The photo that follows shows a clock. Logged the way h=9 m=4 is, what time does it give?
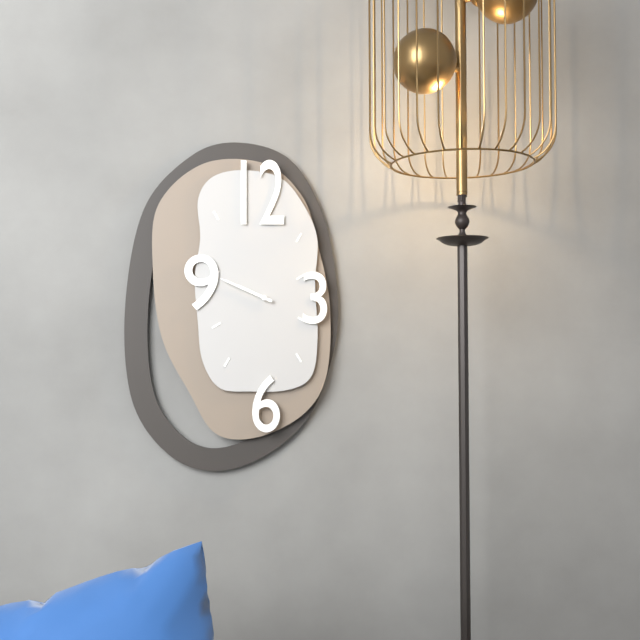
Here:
h=9 m=49
